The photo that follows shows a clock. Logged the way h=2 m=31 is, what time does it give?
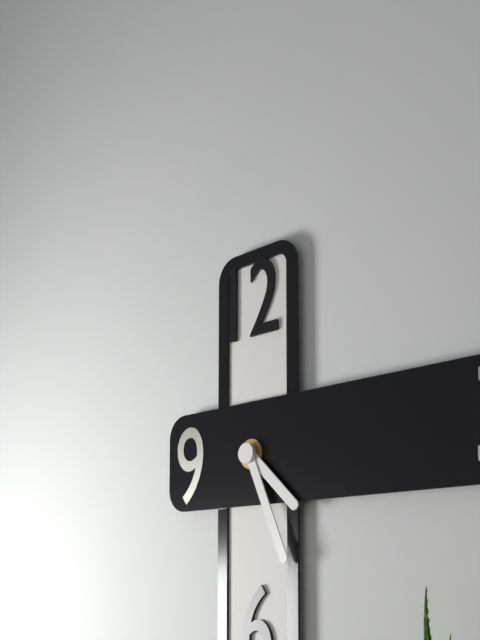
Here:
h=4 m=26
